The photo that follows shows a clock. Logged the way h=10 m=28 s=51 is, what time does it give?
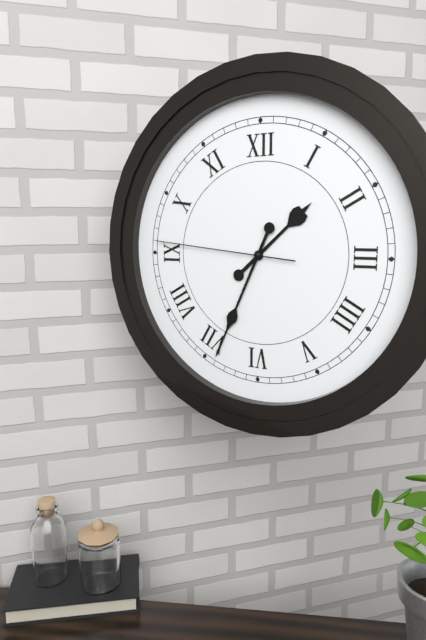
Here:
h=1 m=34 s=46
